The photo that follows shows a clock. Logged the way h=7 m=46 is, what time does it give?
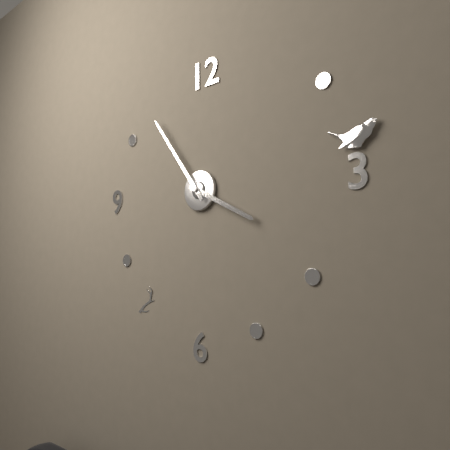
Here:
h=3 m=54
